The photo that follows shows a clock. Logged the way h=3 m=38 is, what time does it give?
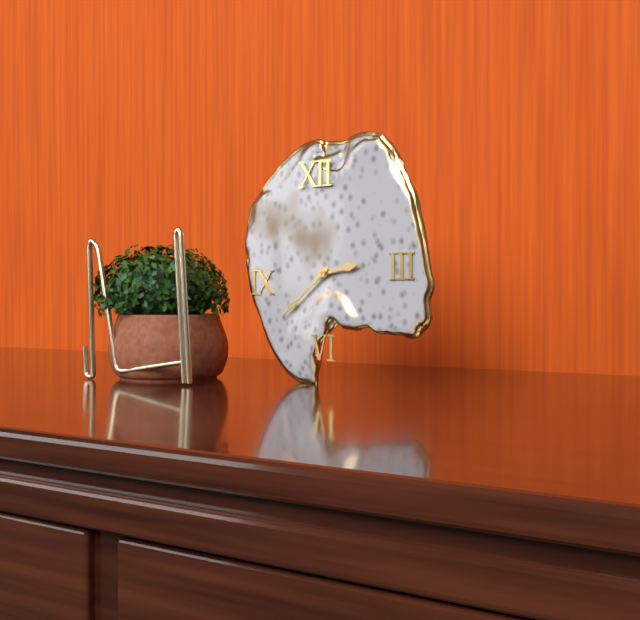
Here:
h=2 m=38
